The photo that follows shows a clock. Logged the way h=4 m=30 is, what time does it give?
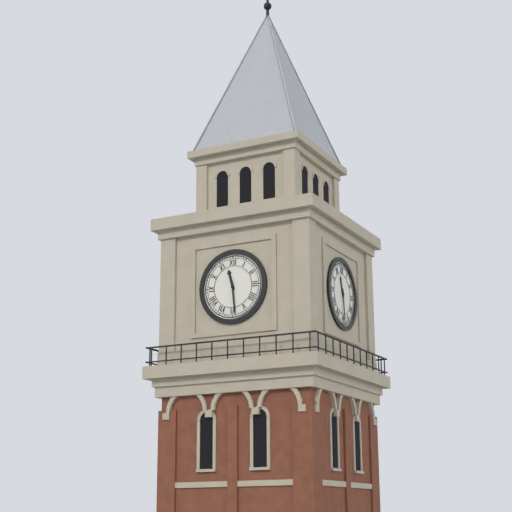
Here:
h=11 m=29
